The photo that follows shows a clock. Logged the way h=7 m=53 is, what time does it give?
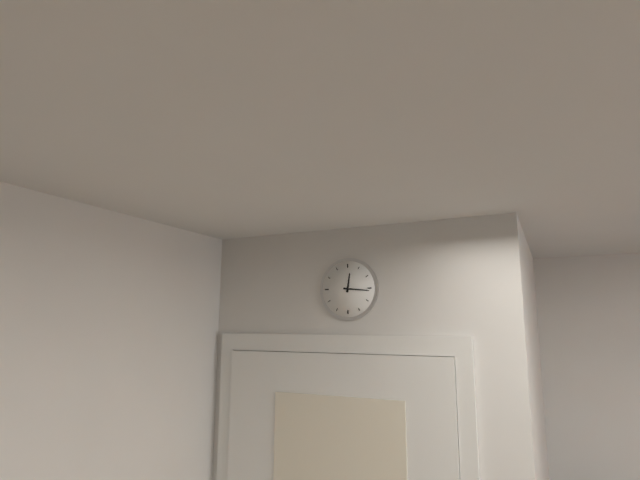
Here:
h=12 m=16
